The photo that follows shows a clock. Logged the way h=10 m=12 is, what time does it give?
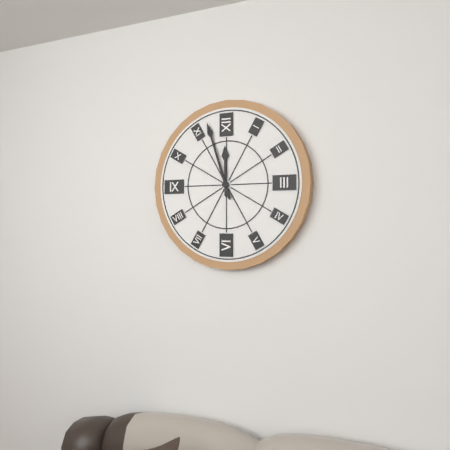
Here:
h=11 m=57
